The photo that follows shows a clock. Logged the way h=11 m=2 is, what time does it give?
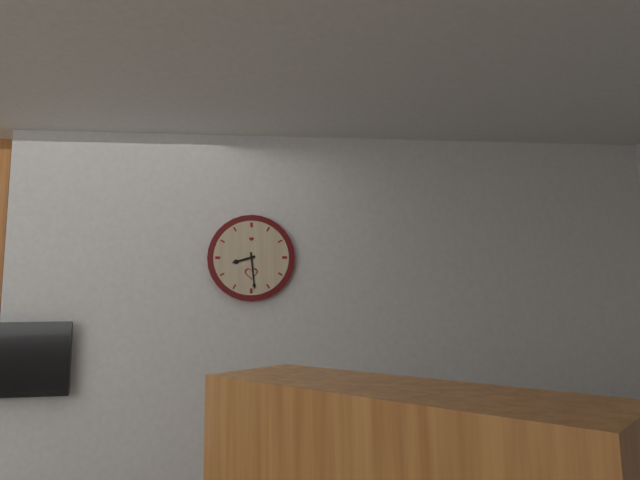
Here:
h=8 m=29
